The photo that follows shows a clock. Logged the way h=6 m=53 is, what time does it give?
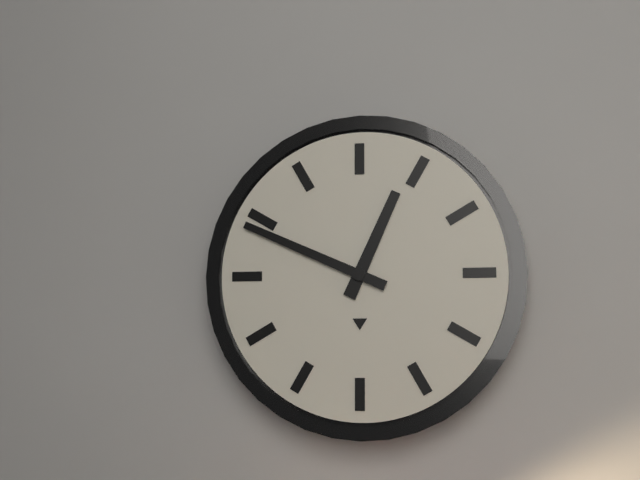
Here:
h=12 m=49
